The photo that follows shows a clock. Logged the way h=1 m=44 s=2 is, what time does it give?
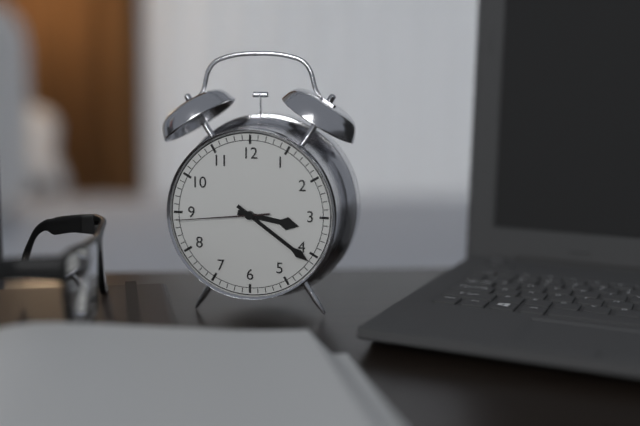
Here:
h=3 m=21 s=44
